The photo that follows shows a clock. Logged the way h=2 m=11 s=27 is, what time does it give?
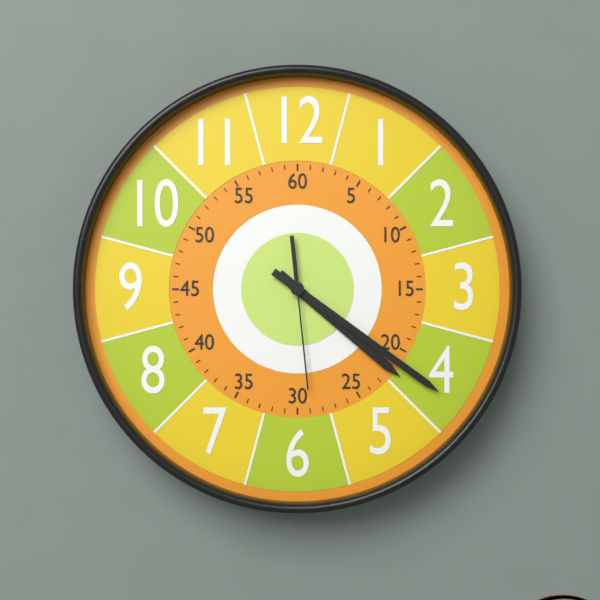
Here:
h=4 m=21 s=29
